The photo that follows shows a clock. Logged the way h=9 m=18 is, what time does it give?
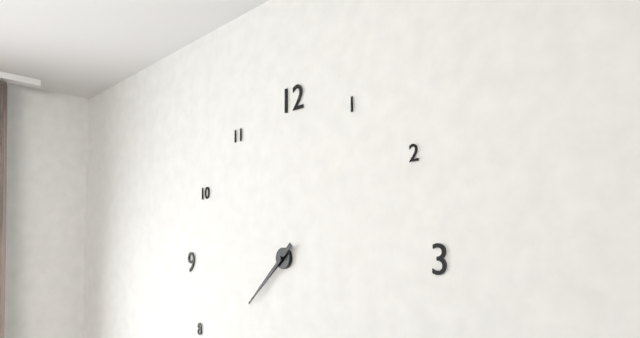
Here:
h=7 m=38
